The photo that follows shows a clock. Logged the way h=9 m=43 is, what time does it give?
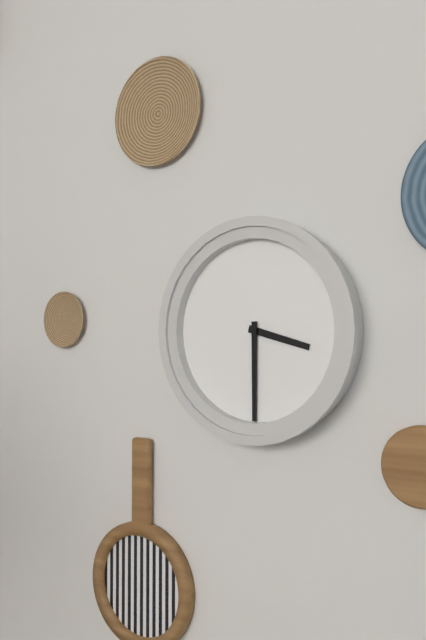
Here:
h=3 m=30
